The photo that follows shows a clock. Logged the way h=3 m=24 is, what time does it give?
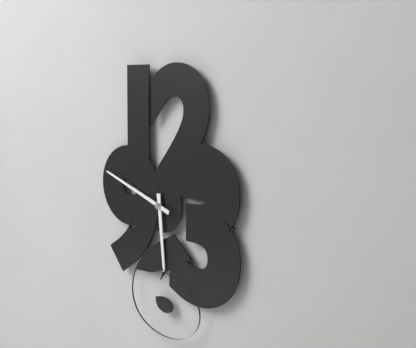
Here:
h=5 m=48
